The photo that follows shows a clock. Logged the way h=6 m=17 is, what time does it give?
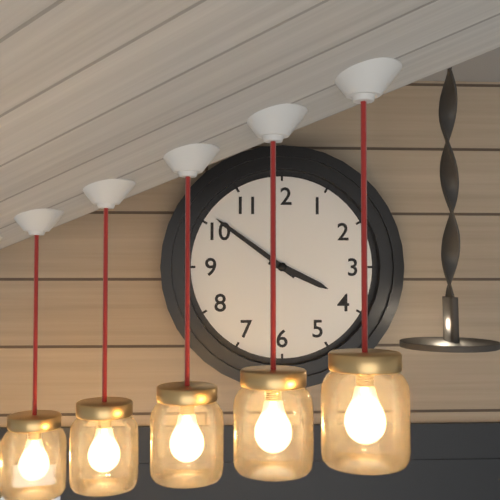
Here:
h=3 m=51
